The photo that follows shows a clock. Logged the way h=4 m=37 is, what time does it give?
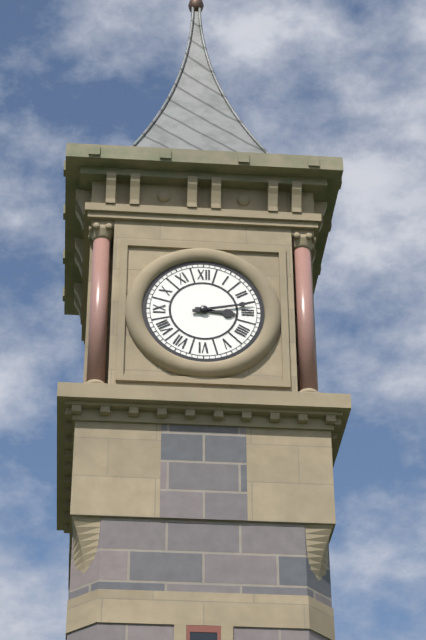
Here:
h=3 m=13
